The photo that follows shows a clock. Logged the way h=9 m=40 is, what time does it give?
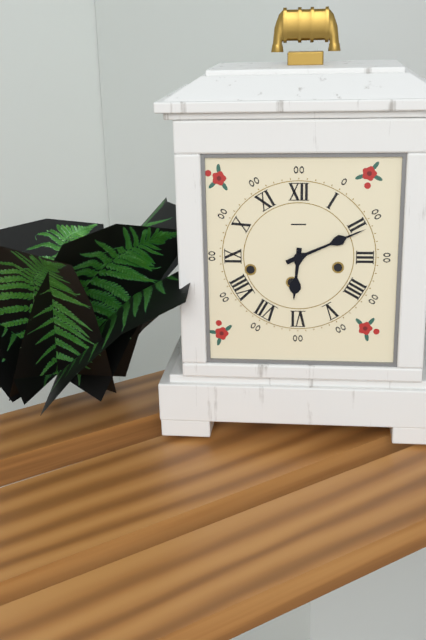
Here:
h=6 m=11
